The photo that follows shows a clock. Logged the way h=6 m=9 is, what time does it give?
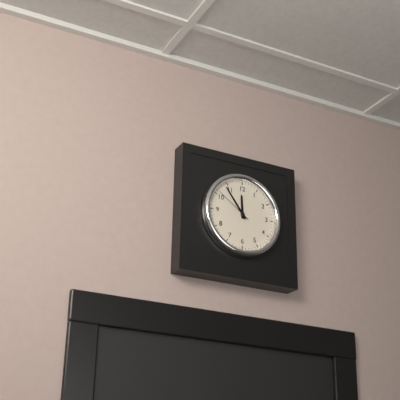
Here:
h=11 m=54
